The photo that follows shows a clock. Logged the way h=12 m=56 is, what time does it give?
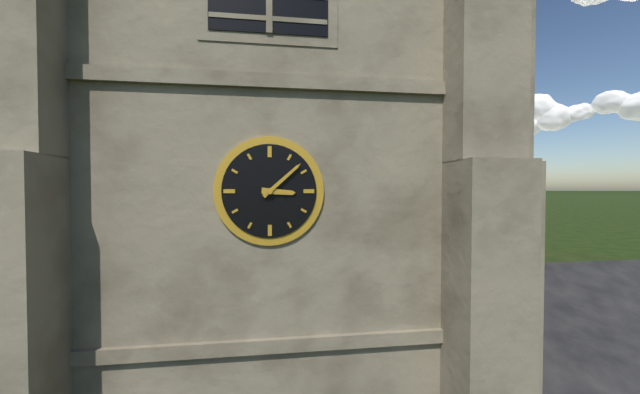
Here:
h=3 m=8
